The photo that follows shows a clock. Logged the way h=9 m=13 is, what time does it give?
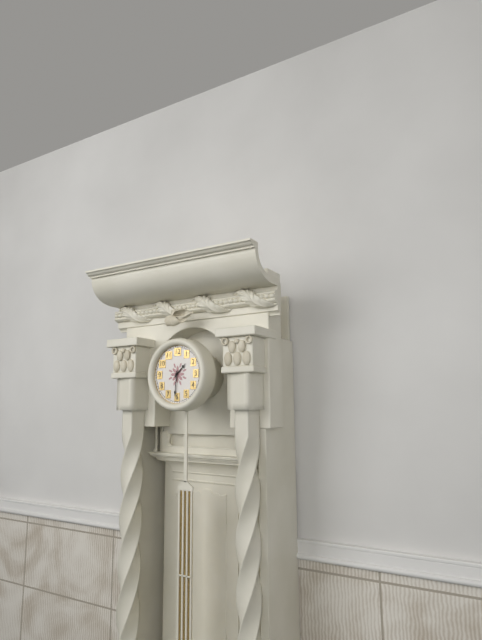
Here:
h=1 m=31
